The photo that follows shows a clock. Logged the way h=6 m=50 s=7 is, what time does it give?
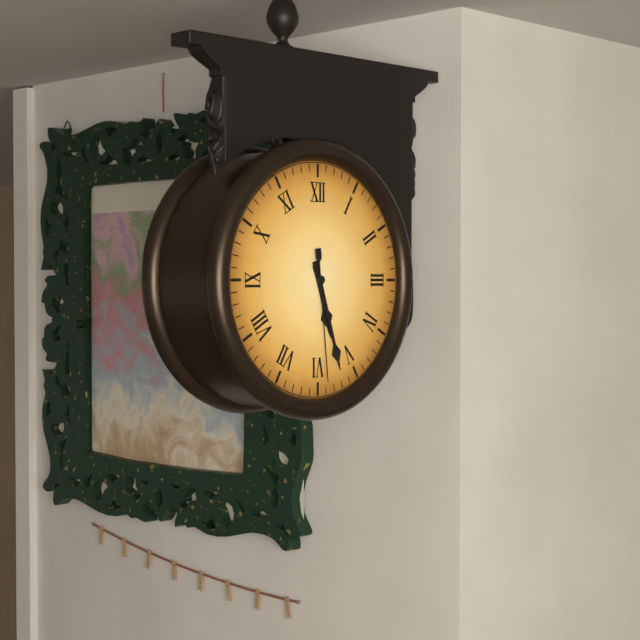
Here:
h=5 m=27 s=29
